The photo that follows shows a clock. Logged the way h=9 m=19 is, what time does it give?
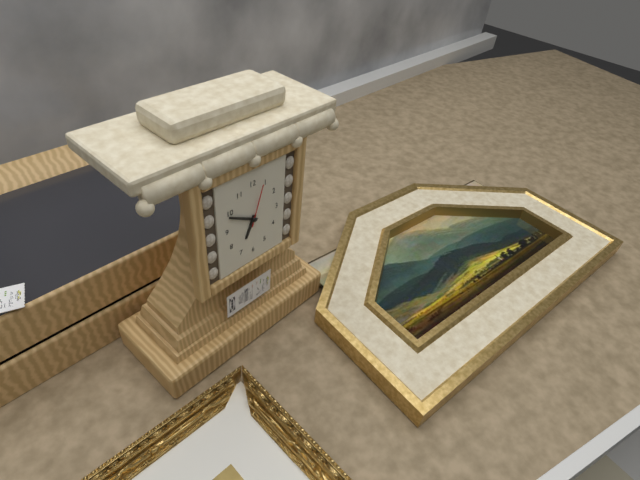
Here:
h=6 m=50
